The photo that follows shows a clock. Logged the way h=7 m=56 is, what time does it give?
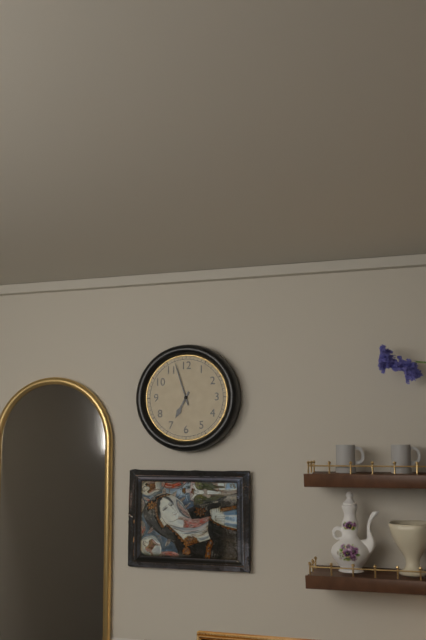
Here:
h=6 m=57
